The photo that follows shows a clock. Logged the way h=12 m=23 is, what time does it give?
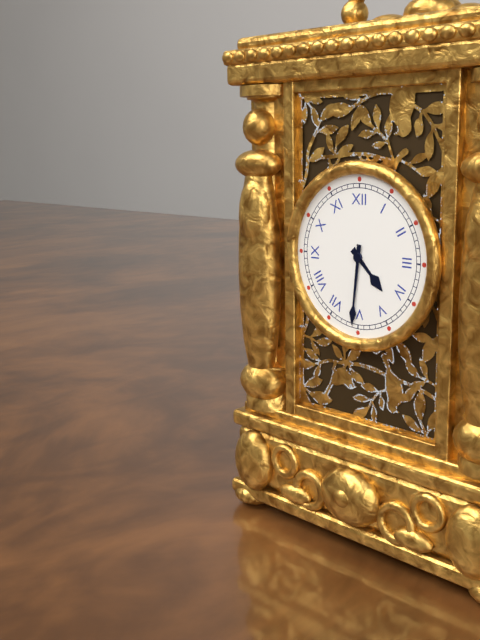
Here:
h=4 m=31
